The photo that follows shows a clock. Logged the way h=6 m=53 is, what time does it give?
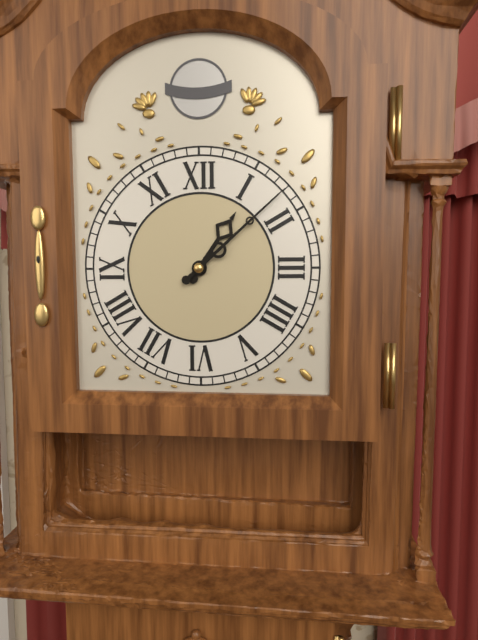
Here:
h=1 m=8
